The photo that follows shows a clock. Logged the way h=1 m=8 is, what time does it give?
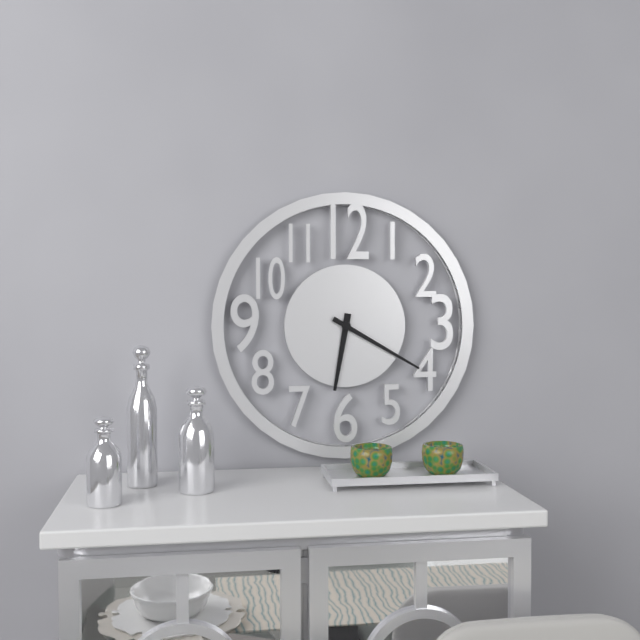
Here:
h=6 m=20
